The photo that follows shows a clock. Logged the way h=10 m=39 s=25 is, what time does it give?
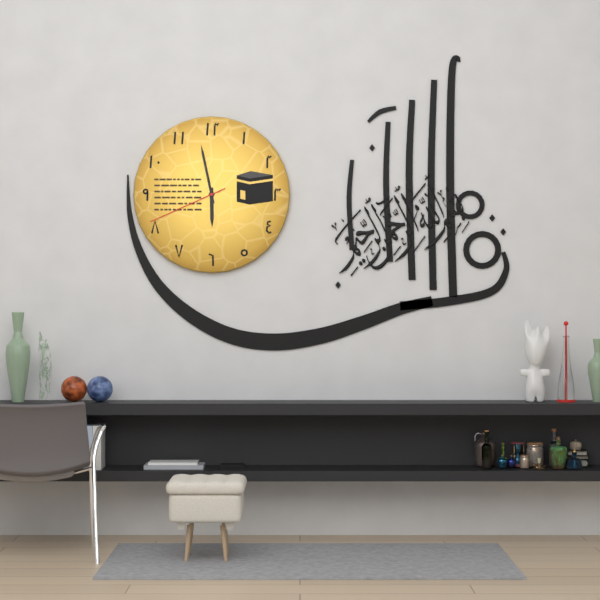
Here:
h=5 m=58 s=41
